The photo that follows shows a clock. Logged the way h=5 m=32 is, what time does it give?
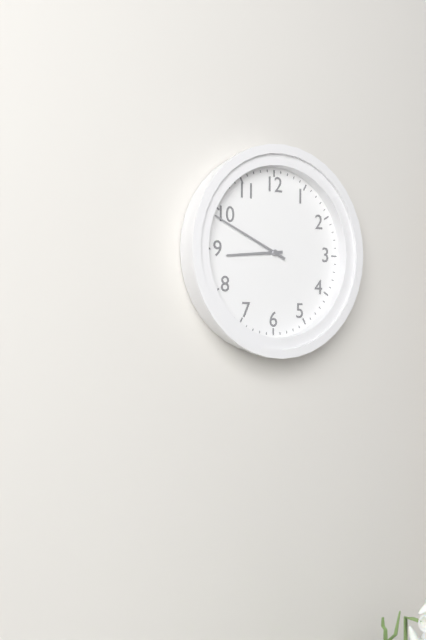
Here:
h=8 m=49
